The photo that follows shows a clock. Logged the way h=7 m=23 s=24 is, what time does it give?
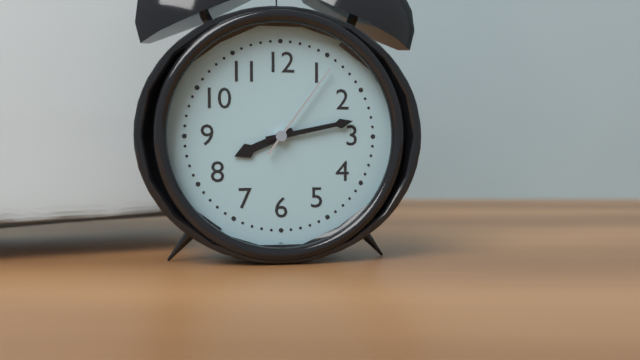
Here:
h=8 m=13 s=6
